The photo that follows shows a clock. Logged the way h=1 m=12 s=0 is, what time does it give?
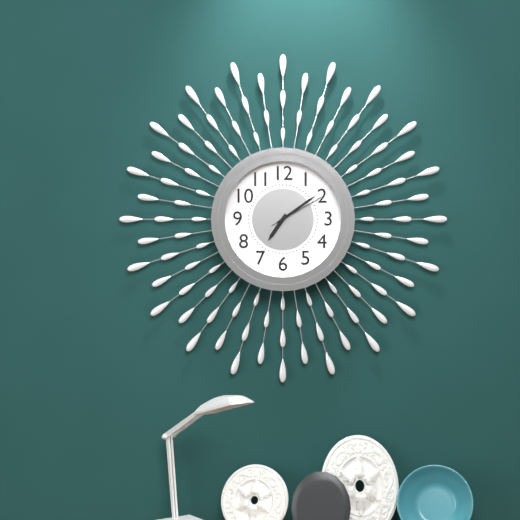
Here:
h=7 m=9 s=10
